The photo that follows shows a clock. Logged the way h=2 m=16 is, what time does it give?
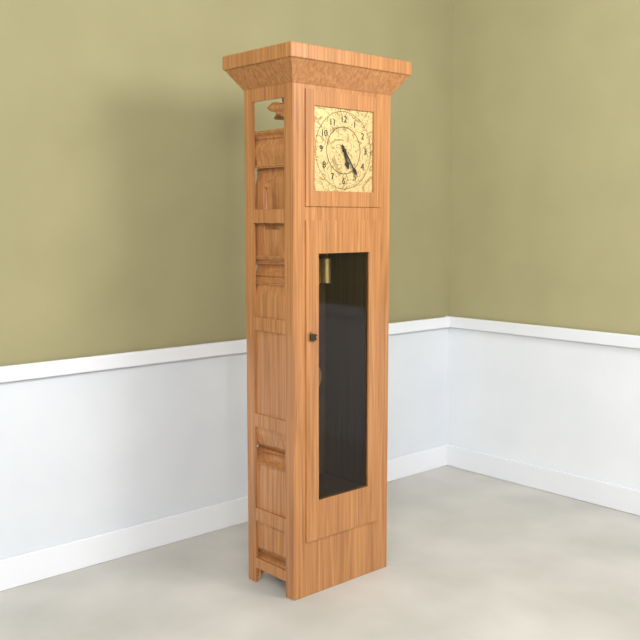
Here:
h=5 m=24
